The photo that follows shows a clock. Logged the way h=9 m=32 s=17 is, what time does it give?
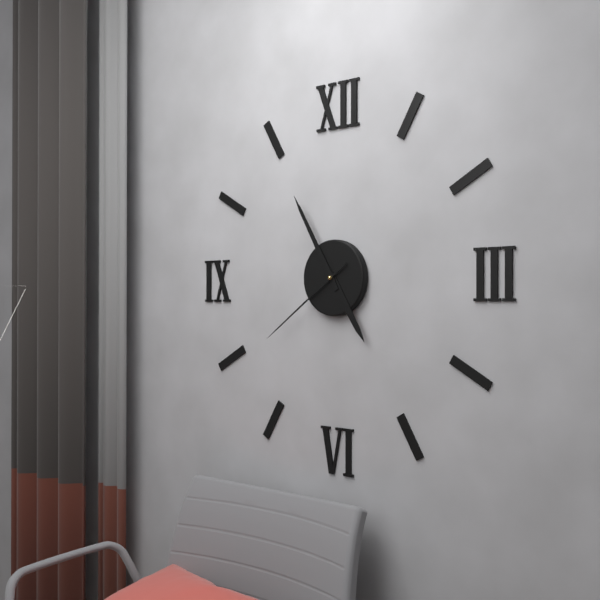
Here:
h=4 m=55 s=39
